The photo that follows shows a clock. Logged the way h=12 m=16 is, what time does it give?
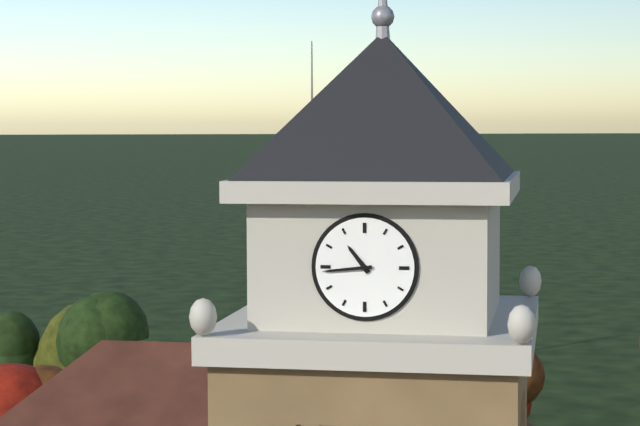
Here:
h=10 m=44
